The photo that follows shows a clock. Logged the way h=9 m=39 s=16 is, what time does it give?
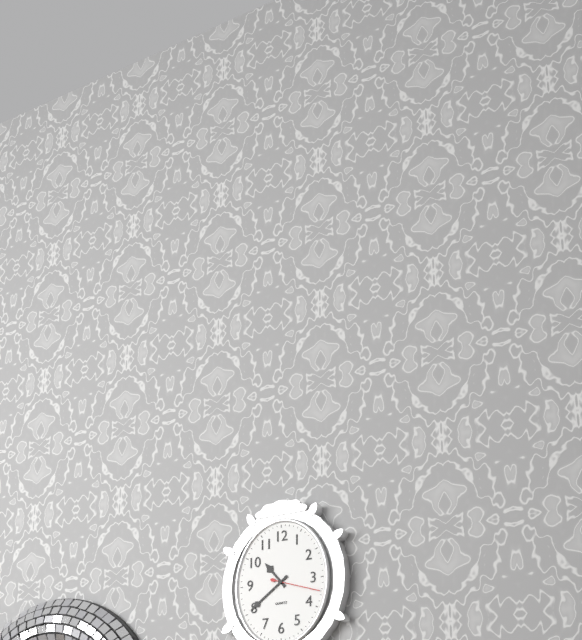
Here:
h=10 m=39 s=18
